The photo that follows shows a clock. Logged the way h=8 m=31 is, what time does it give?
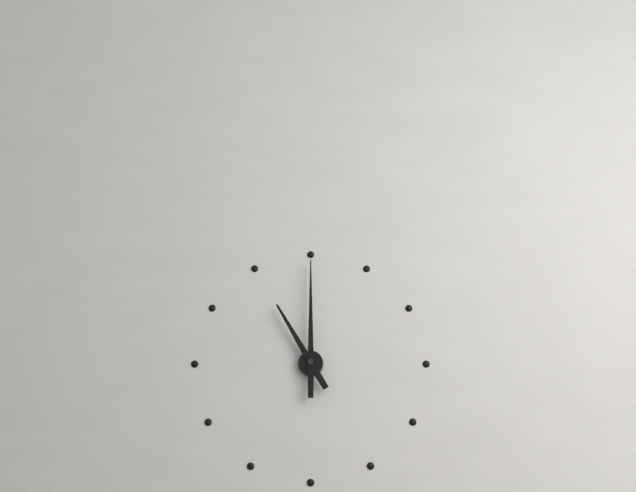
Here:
h=11 m=0
